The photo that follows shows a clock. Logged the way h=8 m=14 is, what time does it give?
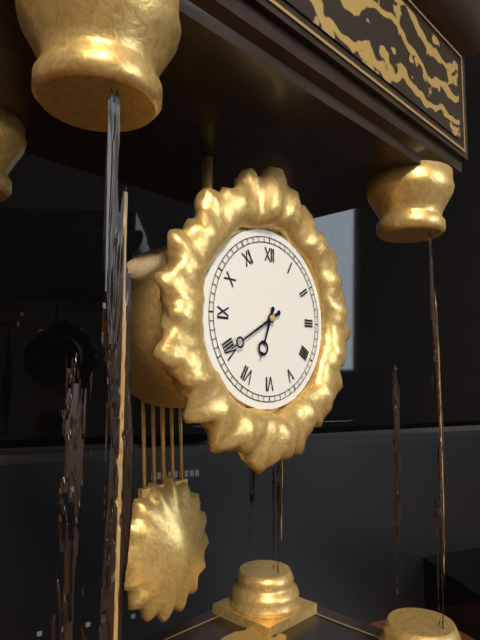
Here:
h=6 m=40
